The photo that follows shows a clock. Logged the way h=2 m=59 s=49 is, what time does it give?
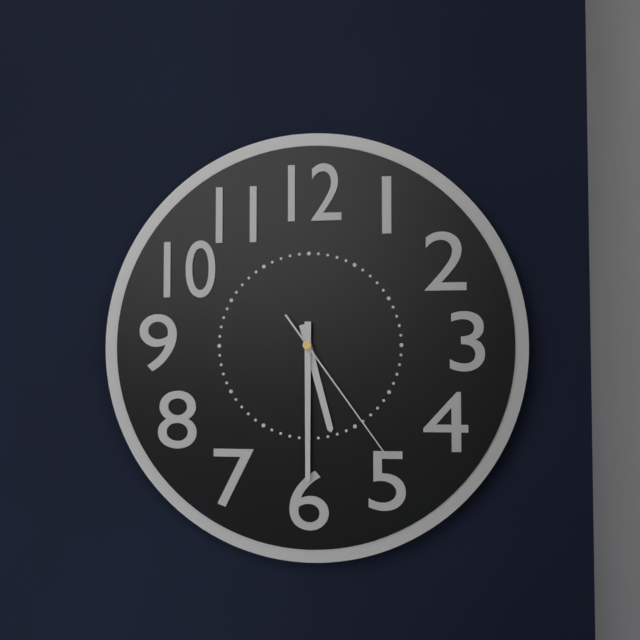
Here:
h=5 m=30 s=24
